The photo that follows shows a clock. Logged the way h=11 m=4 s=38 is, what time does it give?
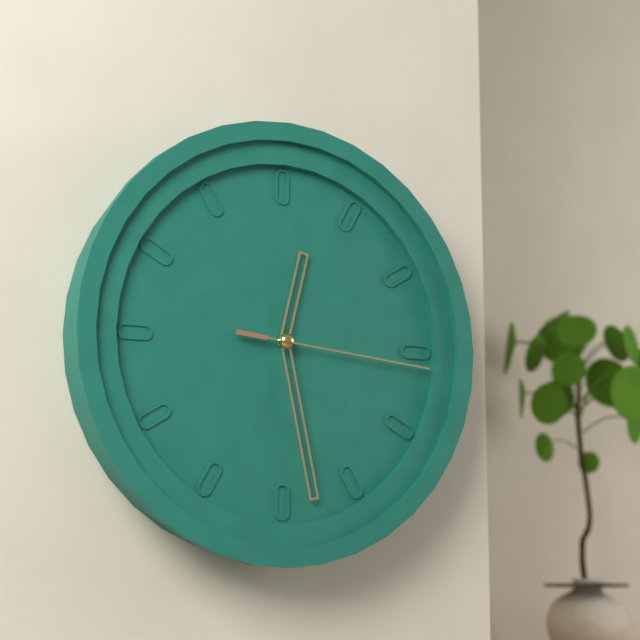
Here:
h=12 m=28 s=16
